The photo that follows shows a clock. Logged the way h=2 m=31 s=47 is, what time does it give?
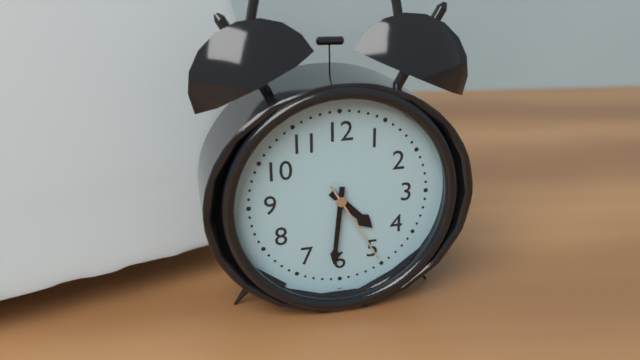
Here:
h=4 m=31 s=25
